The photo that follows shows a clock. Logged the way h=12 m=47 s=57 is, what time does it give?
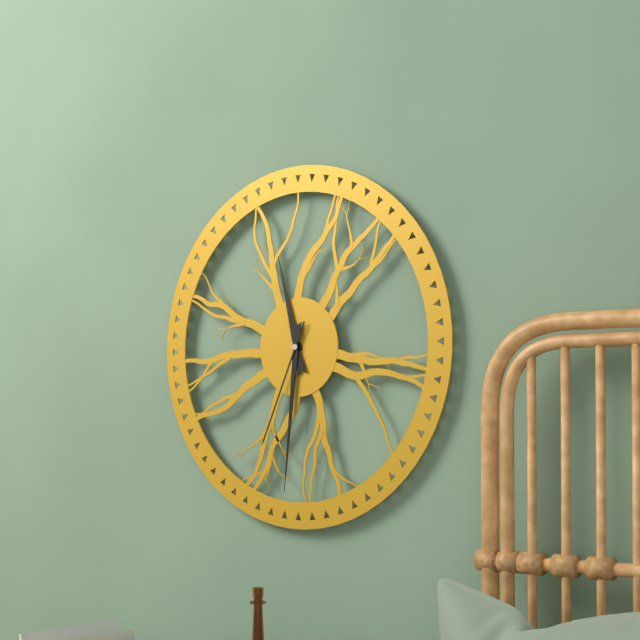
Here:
h=11 m=31 s=34
